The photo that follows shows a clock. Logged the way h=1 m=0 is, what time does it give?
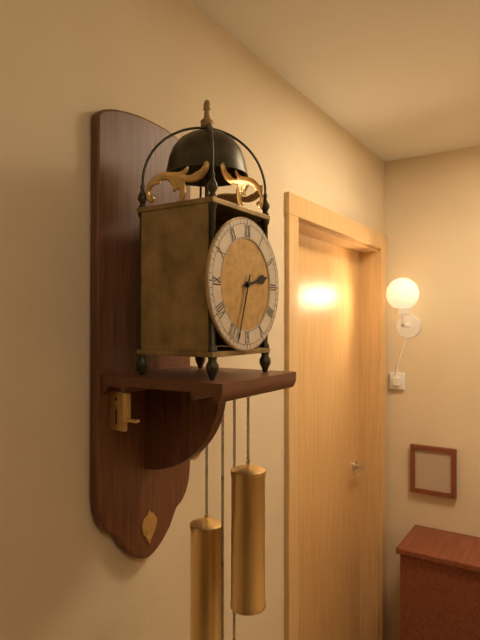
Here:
h=2 m=33
